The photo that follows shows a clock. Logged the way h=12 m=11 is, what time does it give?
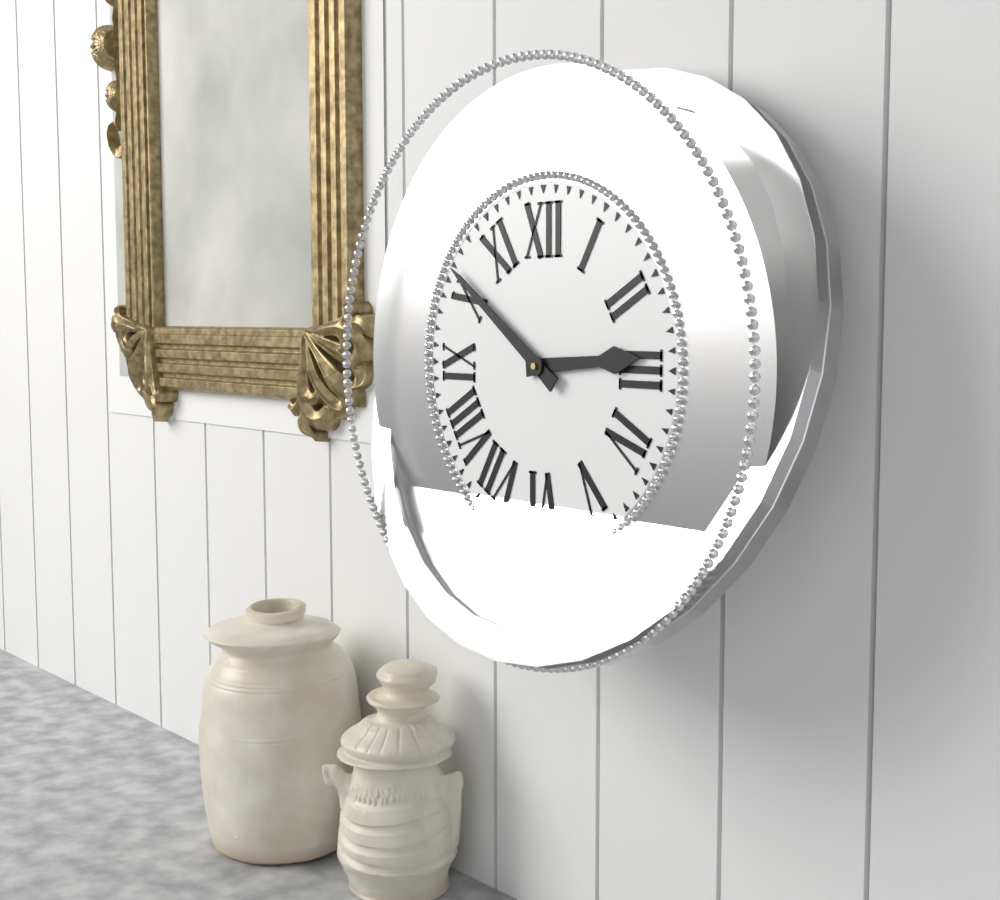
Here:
h=2 m=51
